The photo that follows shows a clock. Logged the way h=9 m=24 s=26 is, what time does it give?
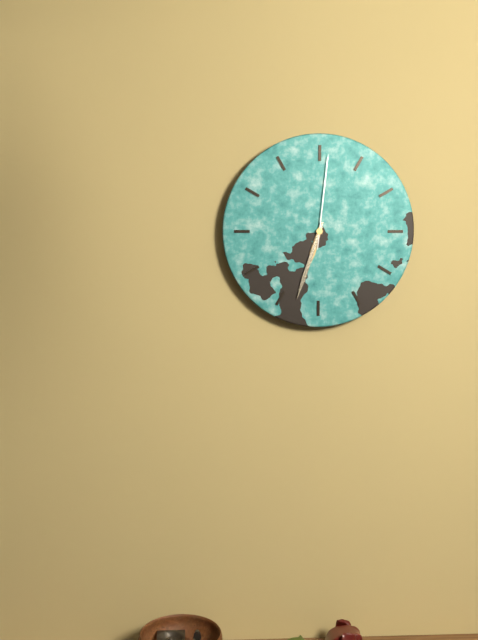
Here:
h=6 m=33 s=1
